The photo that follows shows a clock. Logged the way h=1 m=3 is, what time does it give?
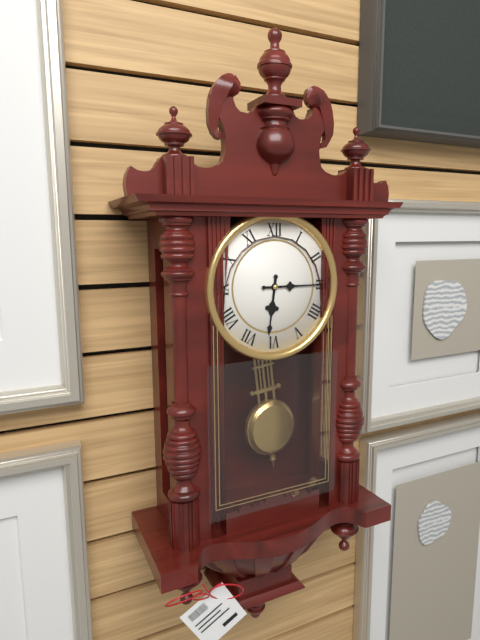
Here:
h=6 m=15
